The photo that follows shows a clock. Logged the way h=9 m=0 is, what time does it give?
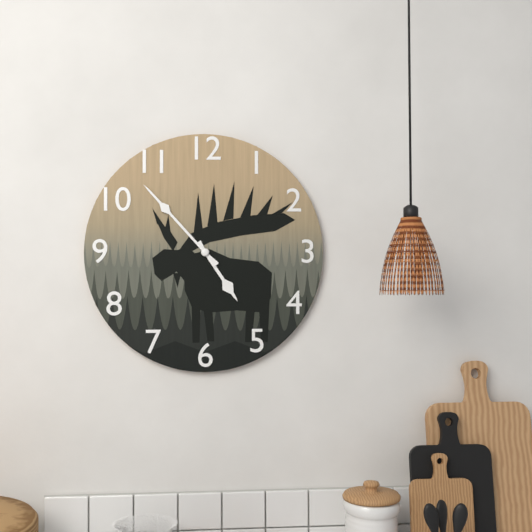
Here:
h=4 m=53
